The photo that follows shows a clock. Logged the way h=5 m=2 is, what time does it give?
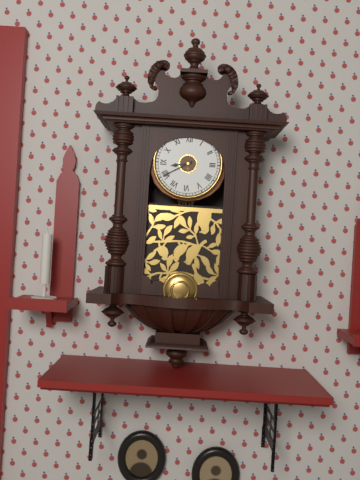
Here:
h=8 m=40
